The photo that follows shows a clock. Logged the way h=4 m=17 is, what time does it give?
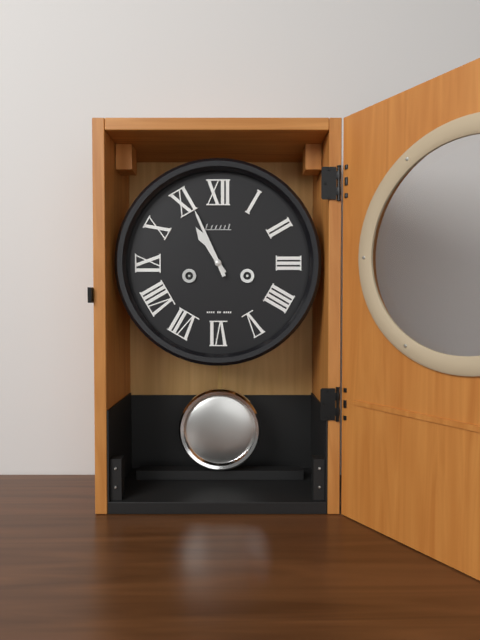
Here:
h=10 m=56
